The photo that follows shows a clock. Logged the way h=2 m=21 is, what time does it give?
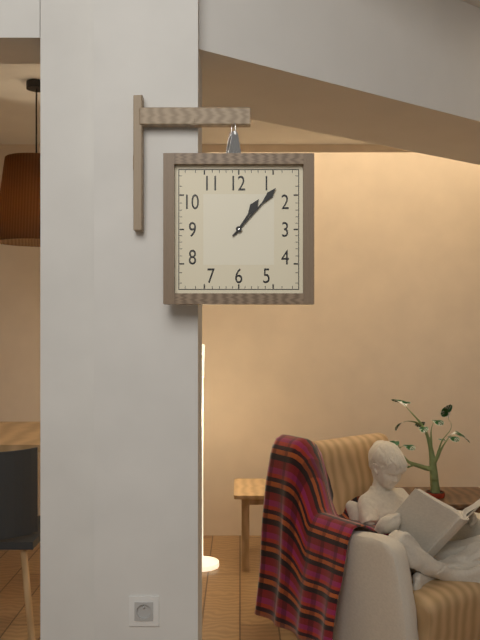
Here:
h=1 m=7
